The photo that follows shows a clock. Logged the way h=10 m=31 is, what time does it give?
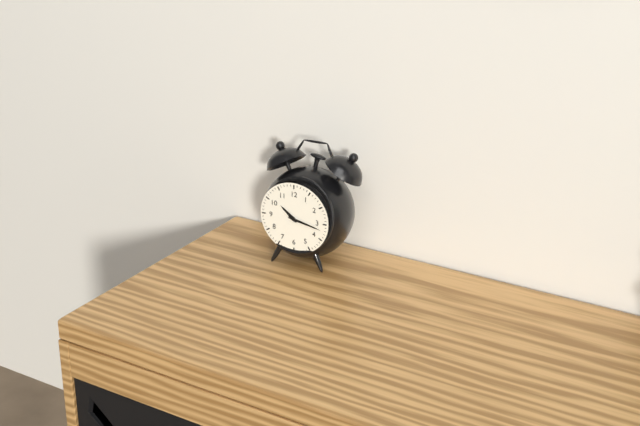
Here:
h=10 m=17
